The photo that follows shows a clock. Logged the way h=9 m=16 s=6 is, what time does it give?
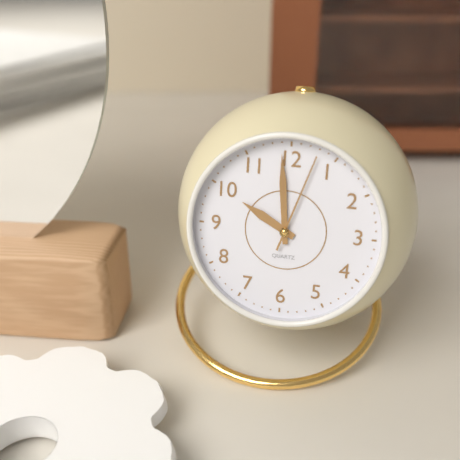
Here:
h=9 m=59 s=3
